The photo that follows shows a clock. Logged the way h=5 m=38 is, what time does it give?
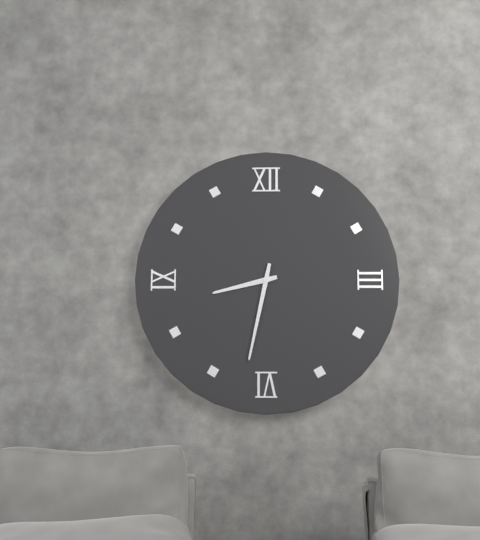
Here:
h=8 m=32
